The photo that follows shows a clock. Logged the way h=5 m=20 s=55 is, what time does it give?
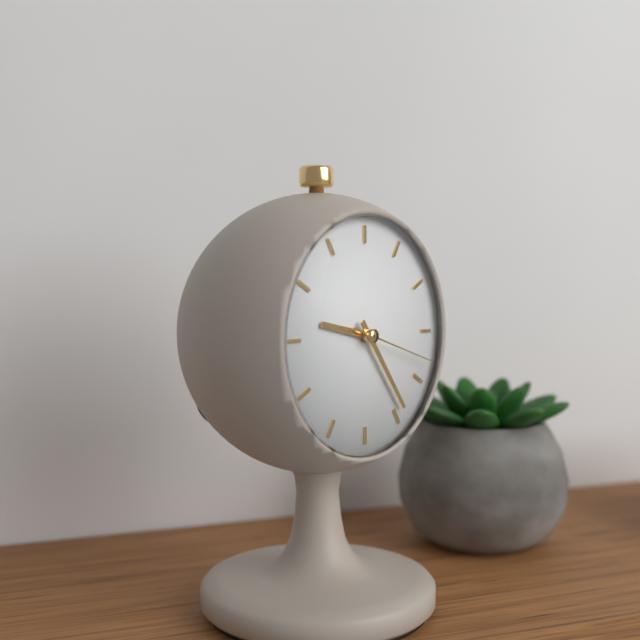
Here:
h=9 m=24 s=18
